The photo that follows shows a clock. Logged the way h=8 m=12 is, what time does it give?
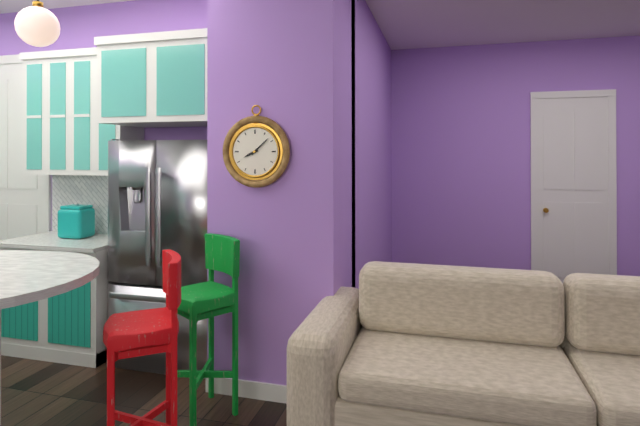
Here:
h=8 m=8
